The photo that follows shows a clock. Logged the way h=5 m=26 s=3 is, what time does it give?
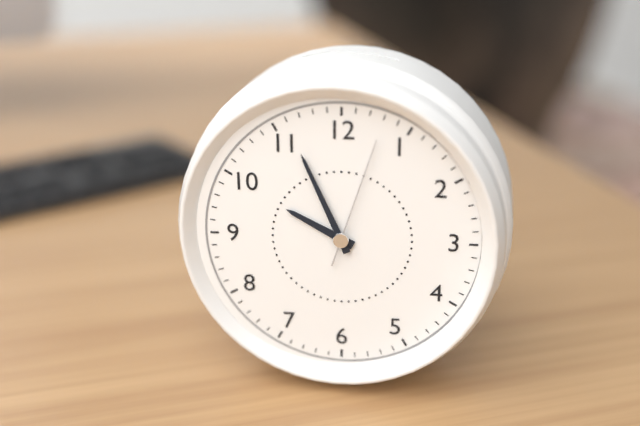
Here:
h=9 m=56 s=3
